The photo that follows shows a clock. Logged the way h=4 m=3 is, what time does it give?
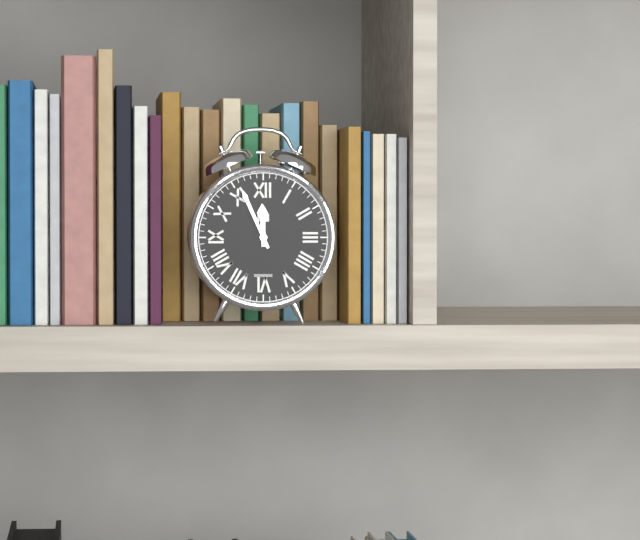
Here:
h=11 m=56
